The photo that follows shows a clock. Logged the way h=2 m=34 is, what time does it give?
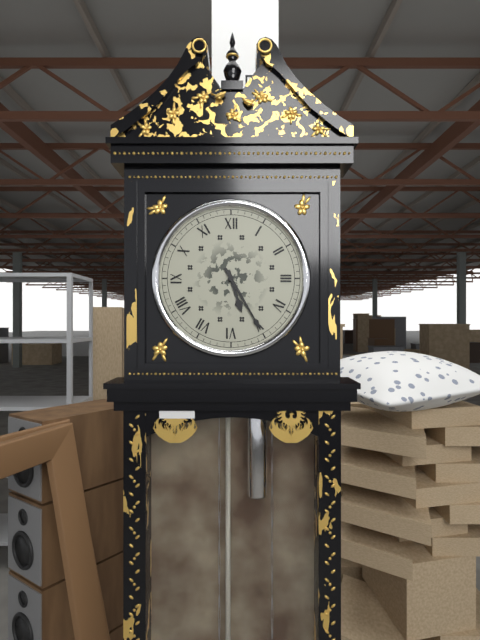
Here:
h=5 m=25
